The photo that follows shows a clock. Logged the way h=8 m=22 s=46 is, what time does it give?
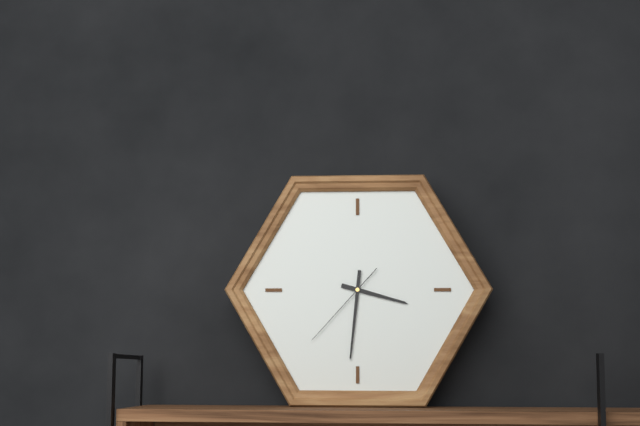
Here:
h=3 m=31 s=37
